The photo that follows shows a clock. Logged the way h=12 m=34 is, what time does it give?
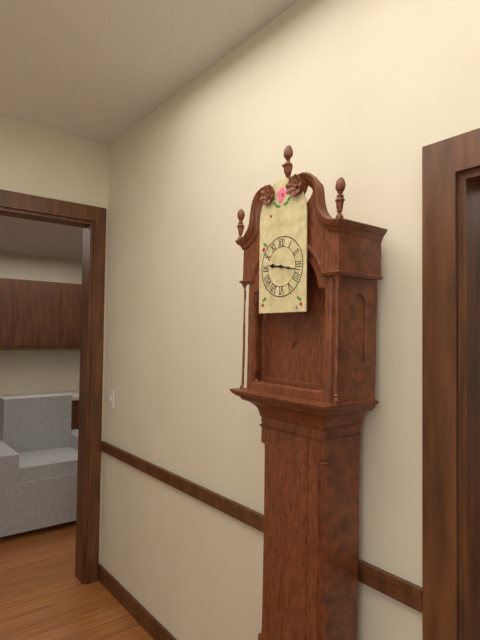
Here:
h=9 m=17
